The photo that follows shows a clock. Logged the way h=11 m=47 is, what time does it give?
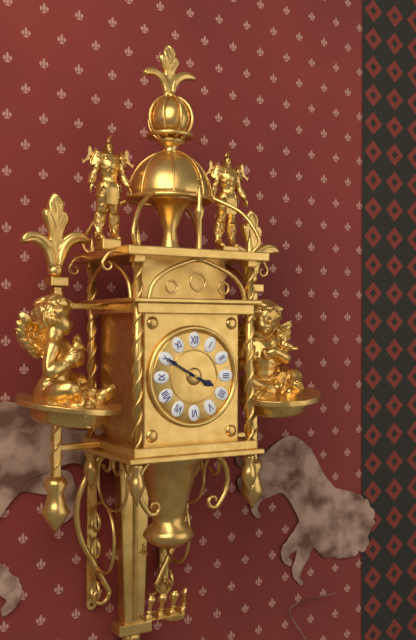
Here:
h=3 m=50
